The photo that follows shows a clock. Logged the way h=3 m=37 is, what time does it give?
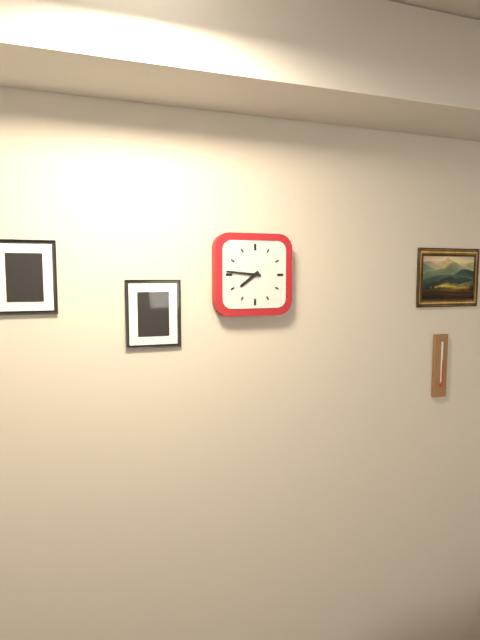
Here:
h=7 m=46
